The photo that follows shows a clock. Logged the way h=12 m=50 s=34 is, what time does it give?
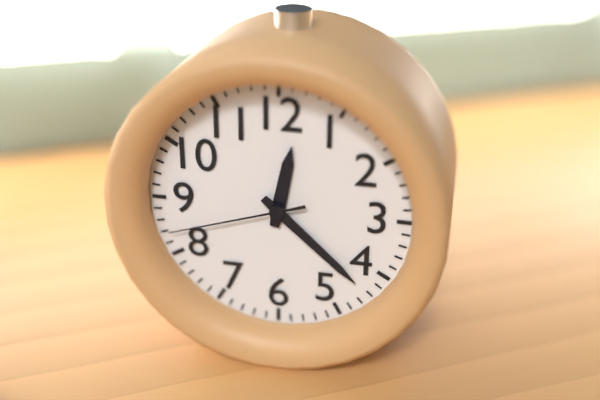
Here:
h=12 m=22 s=42
